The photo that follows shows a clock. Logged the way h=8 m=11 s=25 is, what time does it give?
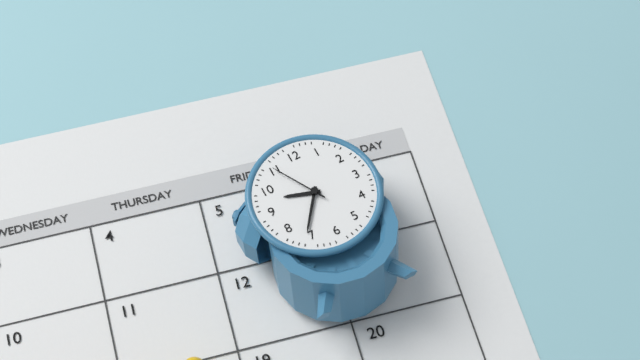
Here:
h=9 m=36 s=55
